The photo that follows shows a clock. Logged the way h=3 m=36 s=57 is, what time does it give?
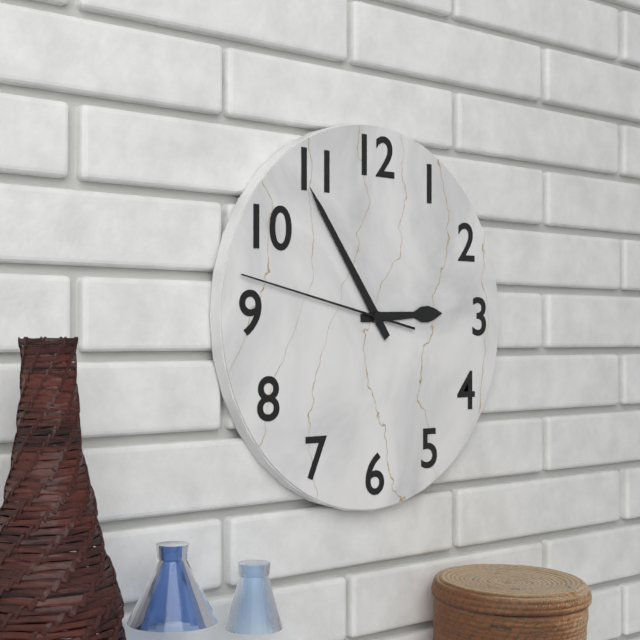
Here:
h=2 m=54 s=47
